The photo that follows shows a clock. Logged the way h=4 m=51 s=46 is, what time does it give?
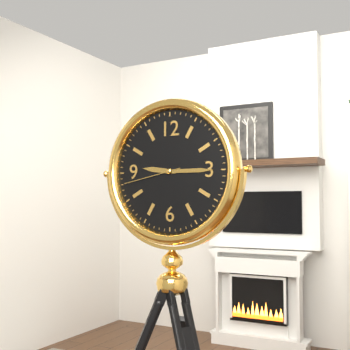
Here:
h=9 m=15 s=43
